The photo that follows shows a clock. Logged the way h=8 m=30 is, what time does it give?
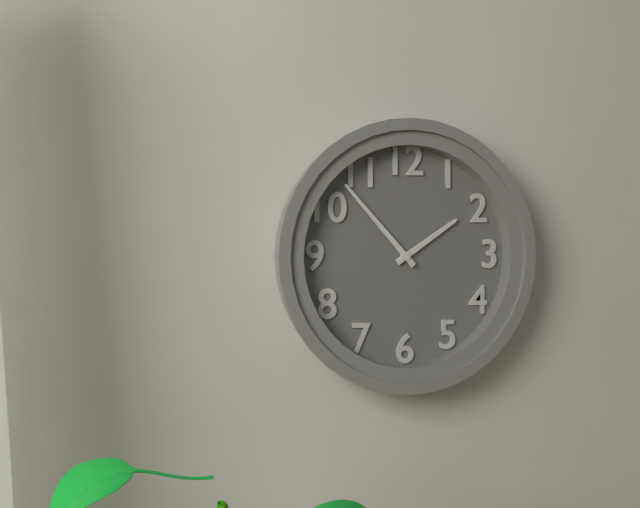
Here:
h=1 m=53
